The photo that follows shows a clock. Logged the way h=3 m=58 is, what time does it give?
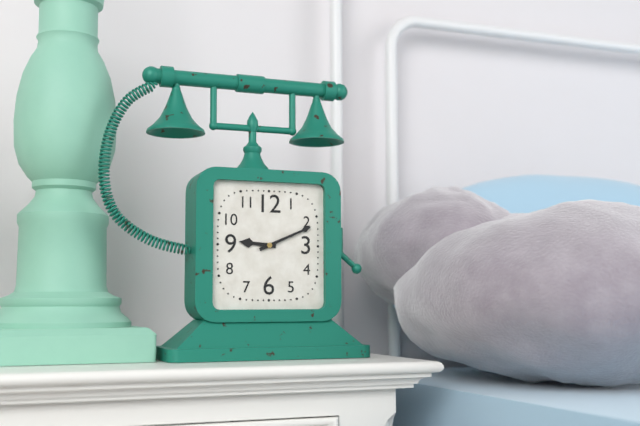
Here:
h=9 m=11
